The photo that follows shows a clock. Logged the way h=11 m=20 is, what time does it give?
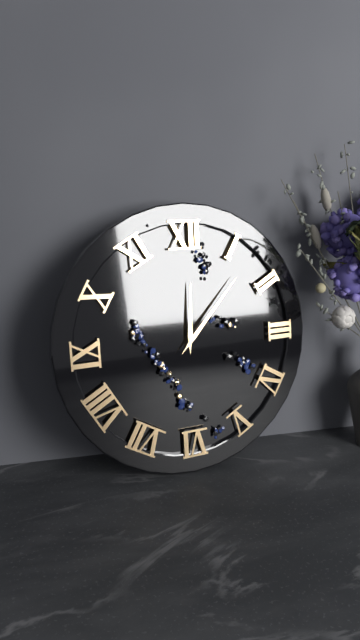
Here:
h=12 m=7
